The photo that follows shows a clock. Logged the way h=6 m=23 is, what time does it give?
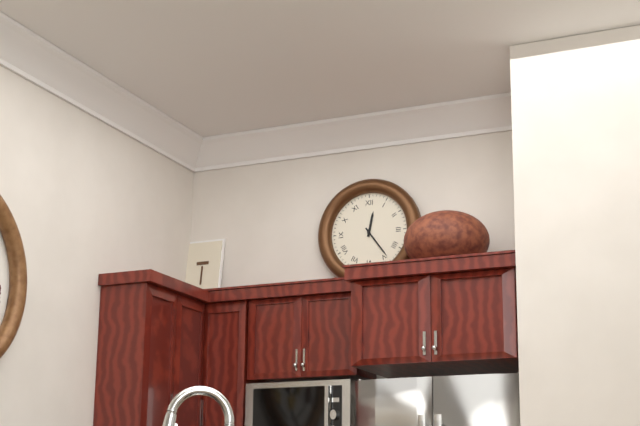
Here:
h=12 m=24
